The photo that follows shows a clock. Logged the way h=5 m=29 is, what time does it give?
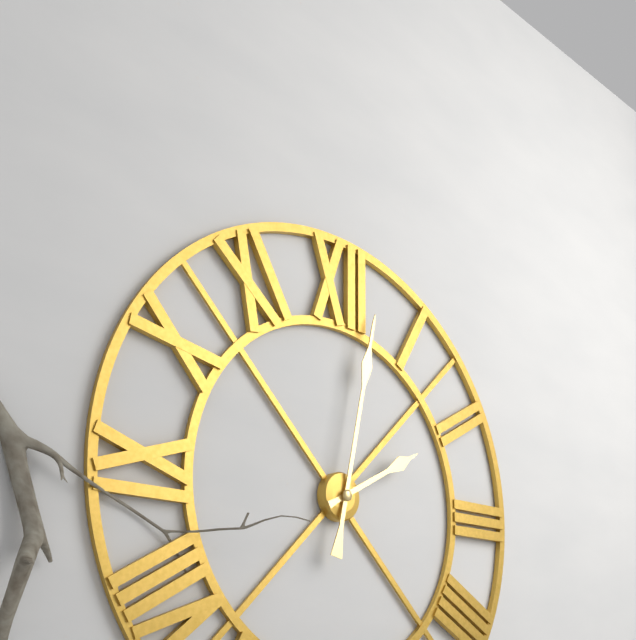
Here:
h=2 m=2
